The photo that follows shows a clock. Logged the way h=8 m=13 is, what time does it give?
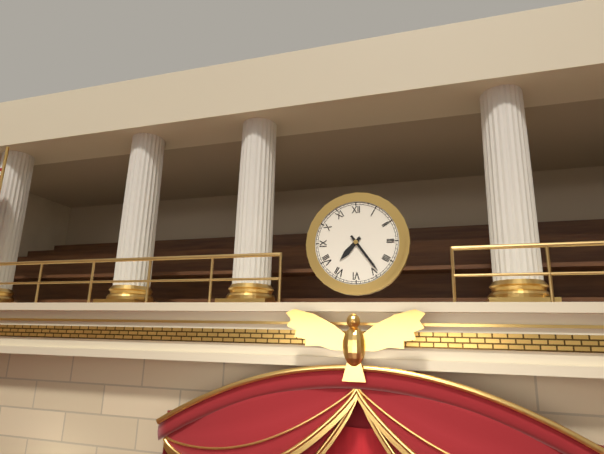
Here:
h=7 m=24
